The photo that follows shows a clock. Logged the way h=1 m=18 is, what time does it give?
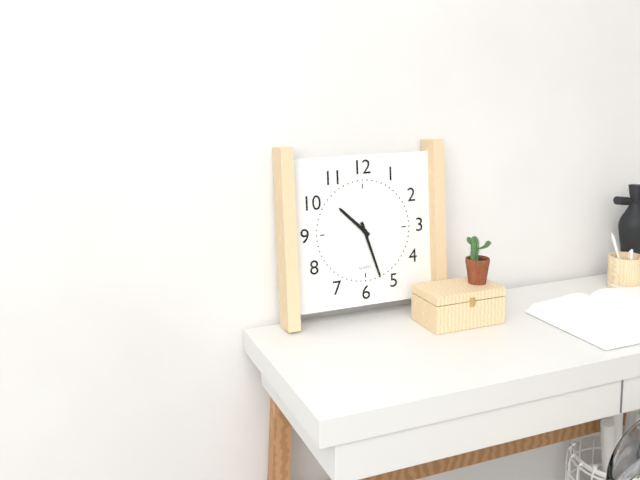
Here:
h=10 m=27
